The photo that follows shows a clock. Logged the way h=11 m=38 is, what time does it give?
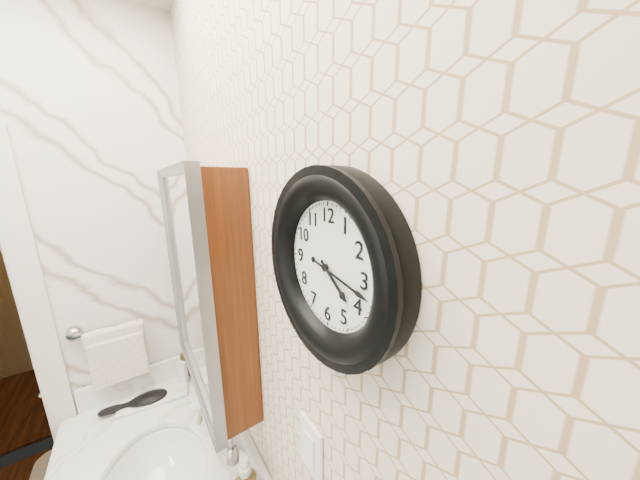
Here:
h=4 m=17
